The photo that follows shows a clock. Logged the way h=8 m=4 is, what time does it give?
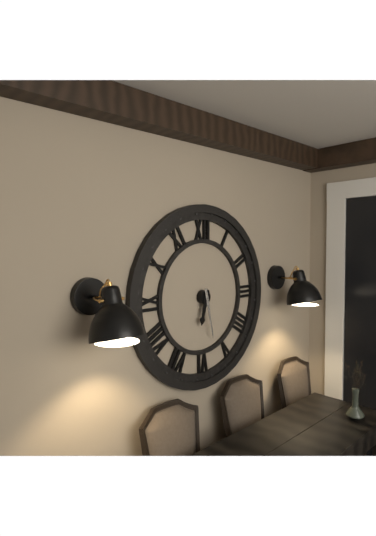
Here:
h=6 m=28
